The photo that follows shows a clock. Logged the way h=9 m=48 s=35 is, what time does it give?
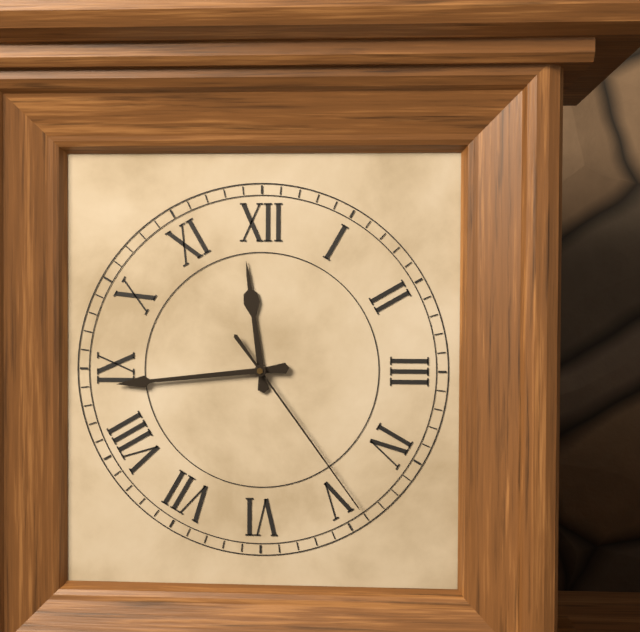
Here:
h=11 m=44 s=24
